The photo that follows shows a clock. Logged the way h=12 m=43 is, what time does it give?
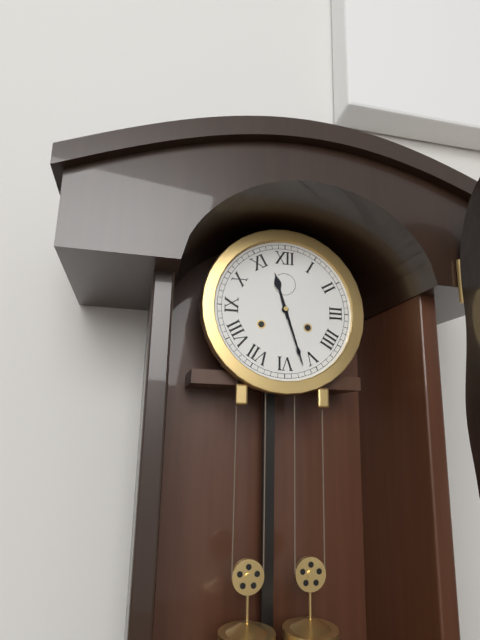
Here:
h=11 m=27
